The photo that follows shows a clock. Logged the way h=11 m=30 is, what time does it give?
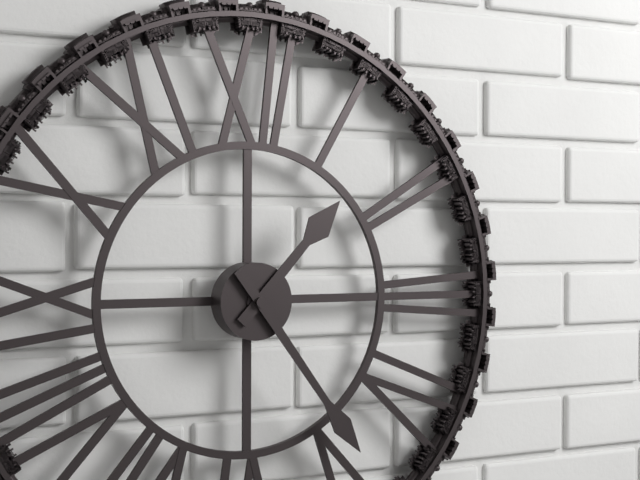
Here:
h=1 m=24
